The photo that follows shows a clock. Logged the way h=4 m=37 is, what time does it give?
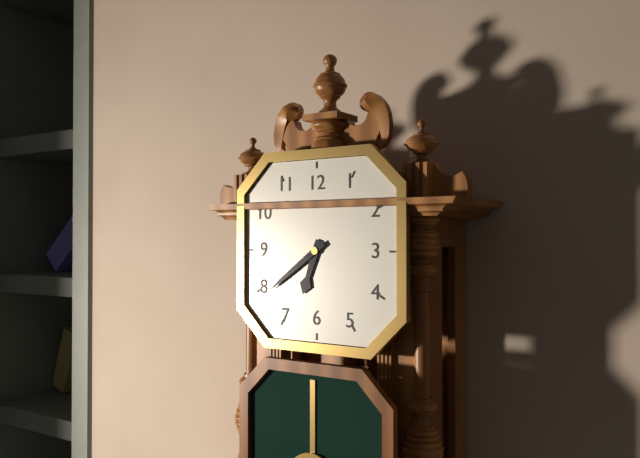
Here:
h=6 m=39
